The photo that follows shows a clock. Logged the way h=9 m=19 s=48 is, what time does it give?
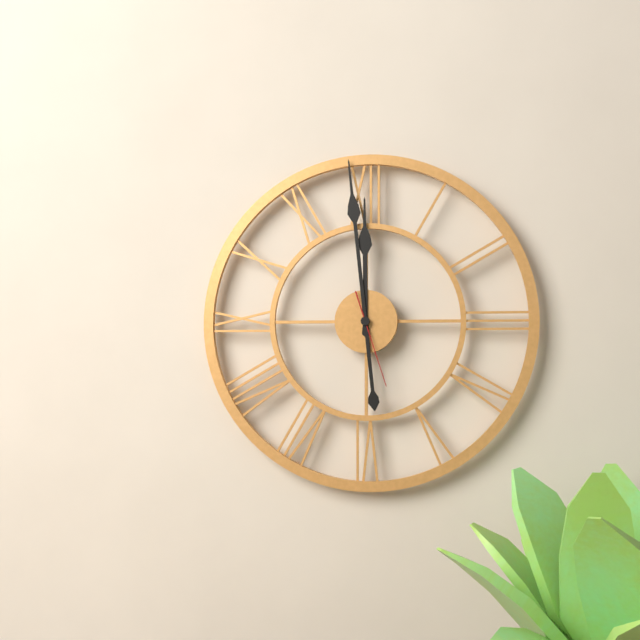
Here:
h=11 m=59 s=27
